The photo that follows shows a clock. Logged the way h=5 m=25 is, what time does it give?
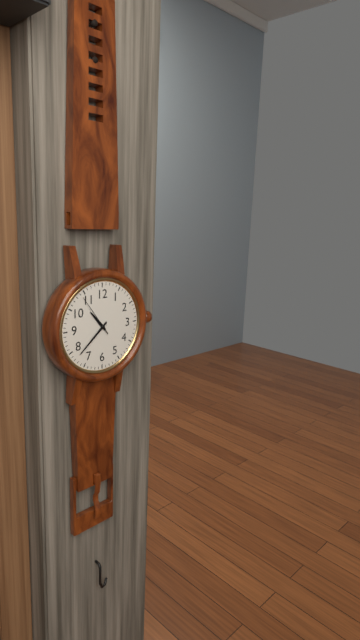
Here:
h=10 m=38
